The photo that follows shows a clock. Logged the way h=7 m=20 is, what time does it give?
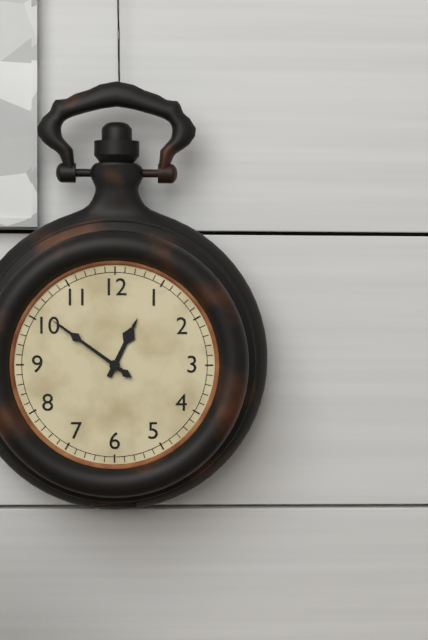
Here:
h=12 m=51
